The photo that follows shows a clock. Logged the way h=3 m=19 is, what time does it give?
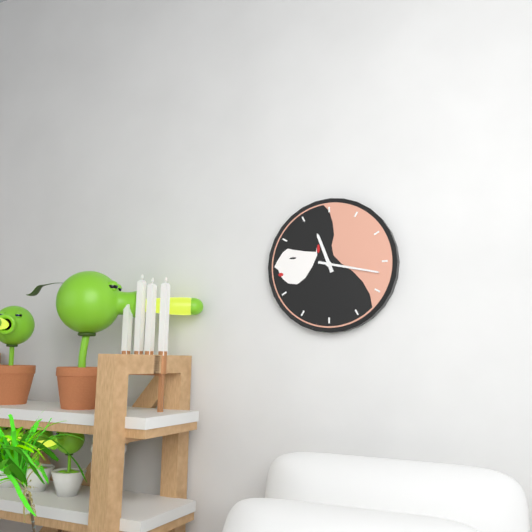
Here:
h=11 m=17
